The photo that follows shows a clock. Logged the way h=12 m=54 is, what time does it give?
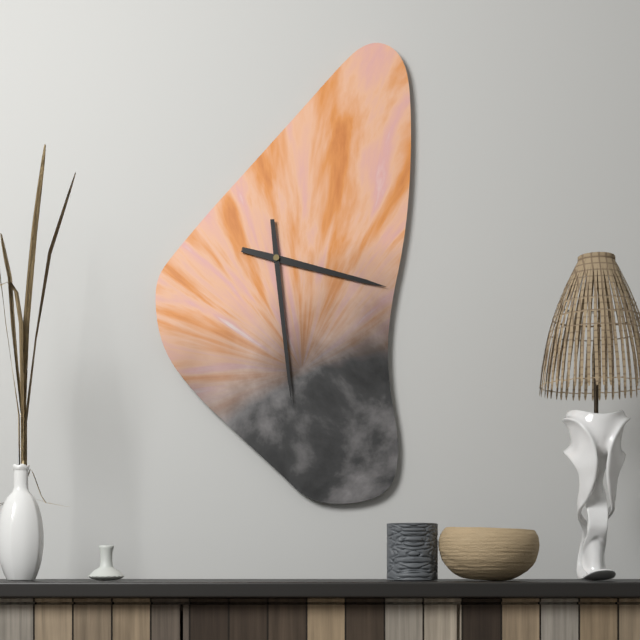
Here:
h=3 m=29
